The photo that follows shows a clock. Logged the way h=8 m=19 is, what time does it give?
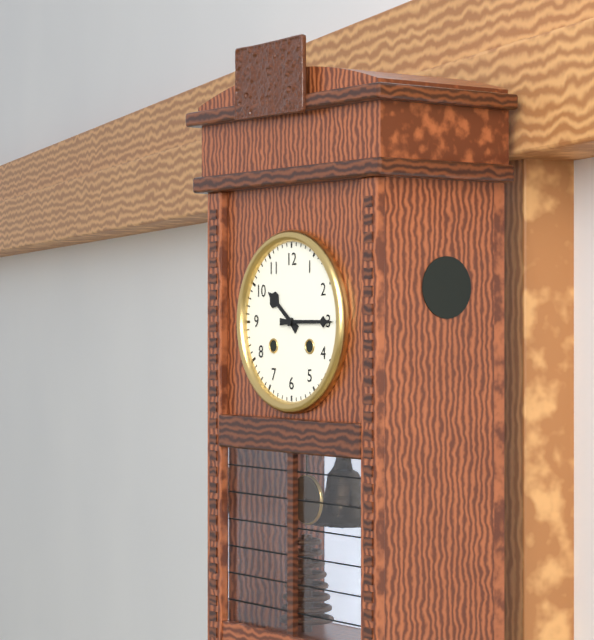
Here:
h=10 m=15
